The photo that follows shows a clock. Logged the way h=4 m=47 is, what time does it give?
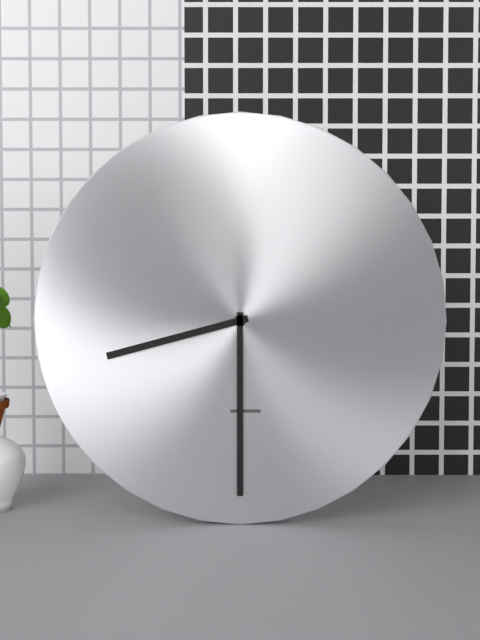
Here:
h=8 m=30
